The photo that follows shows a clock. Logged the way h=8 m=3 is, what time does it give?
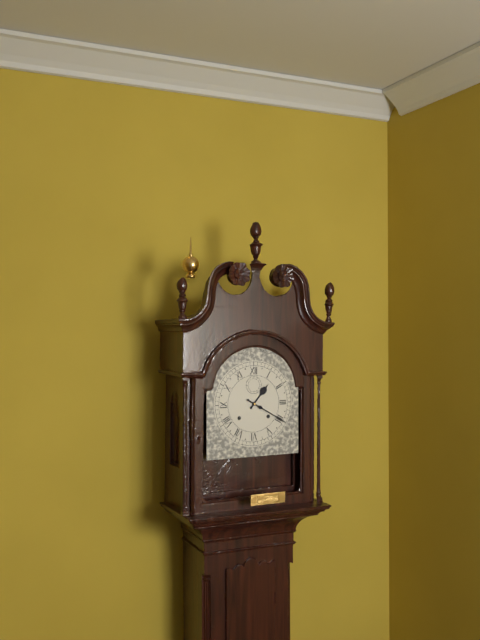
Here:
h=1 m=20
